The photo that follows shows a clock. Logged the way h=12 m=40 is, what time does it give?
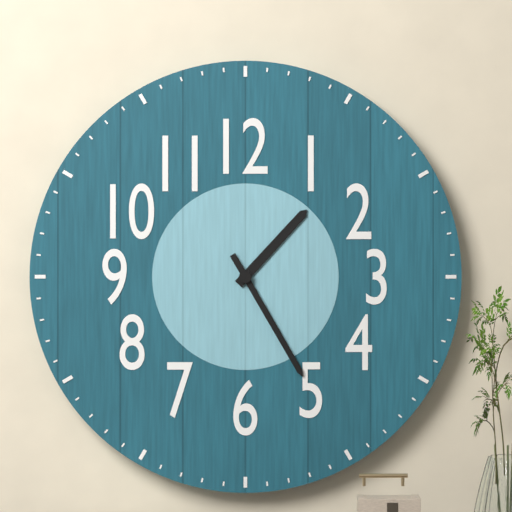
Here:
h=1 m=25
